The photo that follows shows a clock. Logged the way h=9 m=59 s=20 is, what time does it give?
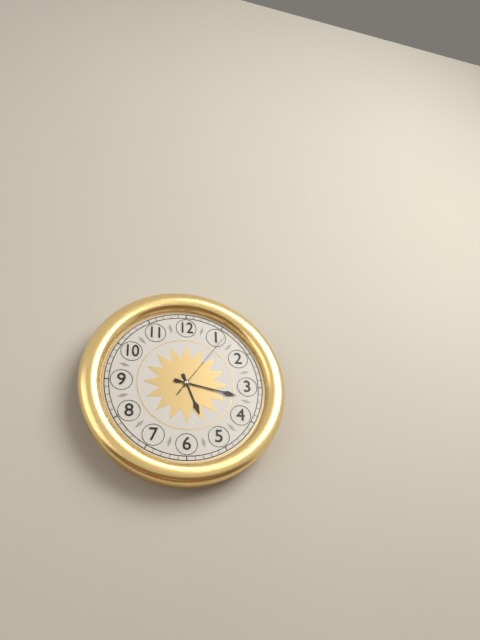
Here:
h=5 m=17 s=6
